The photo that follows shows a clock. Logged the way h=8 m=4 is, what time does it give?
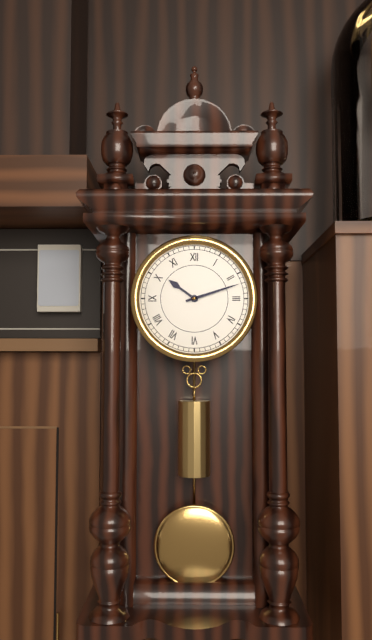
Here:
h=10 m=12
